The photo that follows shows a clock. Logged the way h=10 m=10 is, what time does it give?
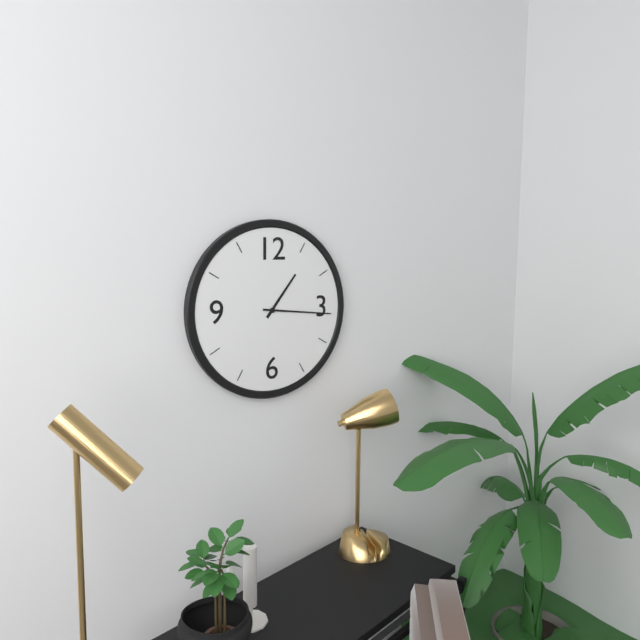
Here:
h=1 m=16
